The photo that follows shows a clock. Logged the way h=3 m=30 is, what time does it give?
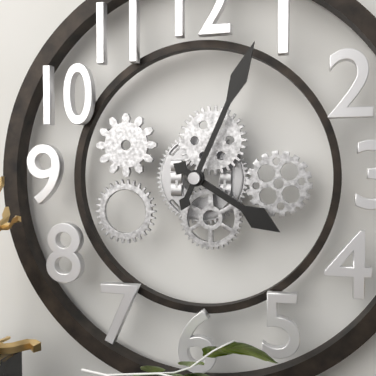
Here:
h=4 m=4
